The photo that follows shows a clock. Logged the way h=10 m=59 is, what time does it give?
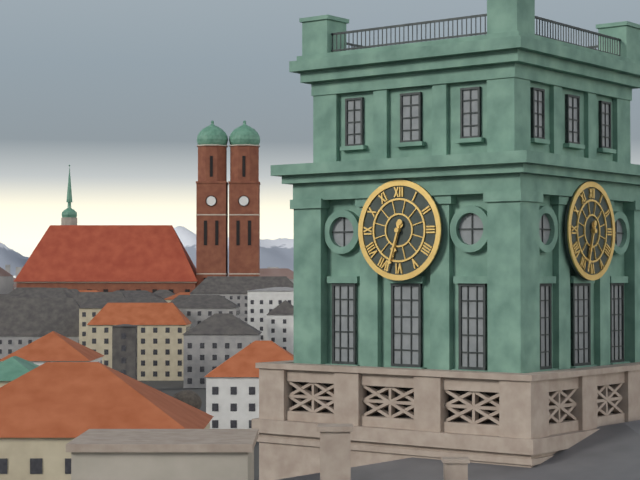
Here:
h=6 m=33
